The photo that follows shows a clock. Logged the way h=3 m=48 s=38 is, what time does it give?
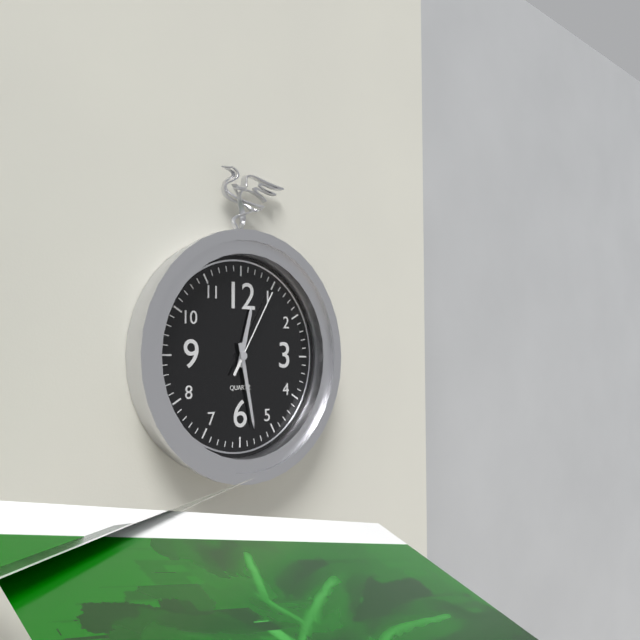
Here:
h=12 m=28 s=5
